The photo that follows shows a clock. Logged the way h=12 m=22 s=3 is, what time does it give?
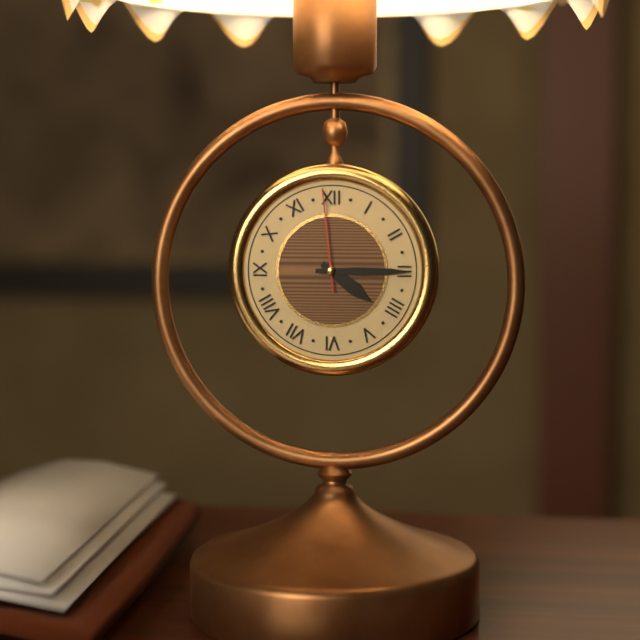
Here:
h=4 m=15 s=59
